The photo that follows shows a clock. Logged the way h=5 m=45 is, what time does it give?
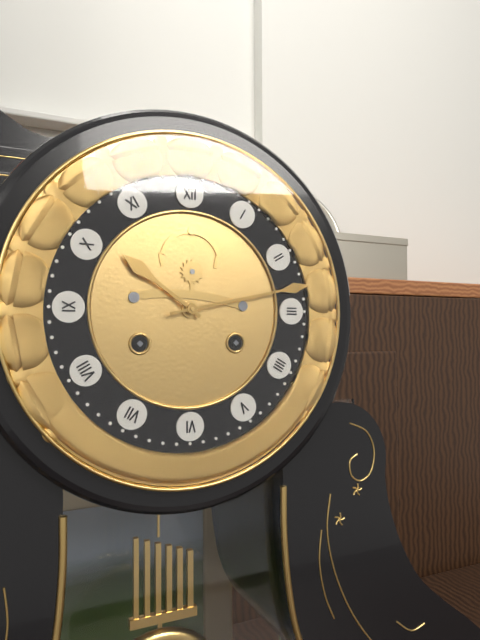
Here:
h=10 m=13
